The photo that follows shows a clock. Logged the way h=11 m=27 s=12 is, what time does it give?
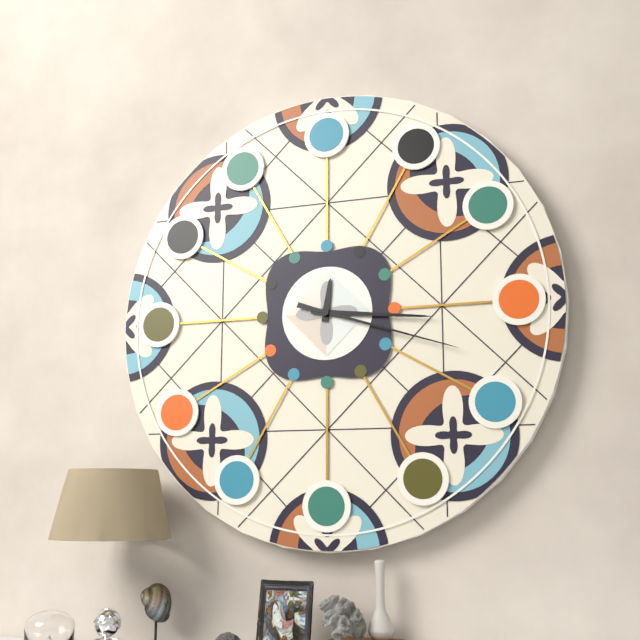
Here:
h=12 m=16 s=18
